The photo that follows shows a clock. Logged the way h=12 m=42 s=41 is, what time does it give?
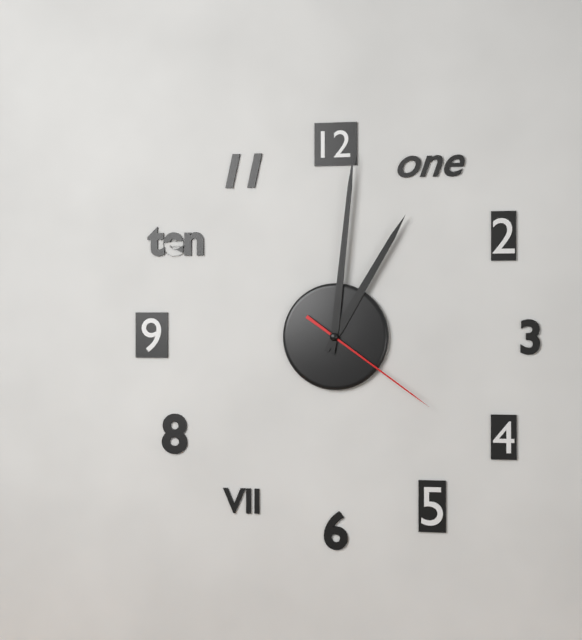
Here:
h=1 m=1 s=21
